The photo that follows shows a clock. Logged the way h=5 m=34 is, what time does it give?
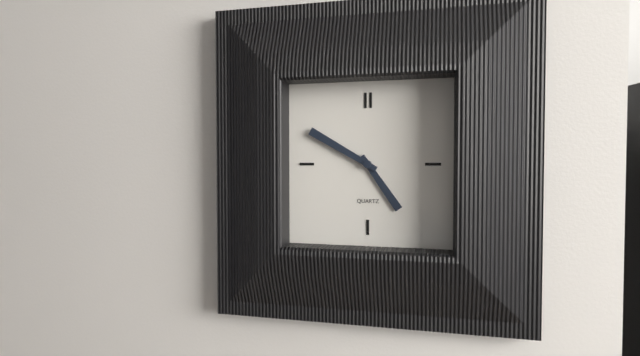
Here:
h=4 m=50
